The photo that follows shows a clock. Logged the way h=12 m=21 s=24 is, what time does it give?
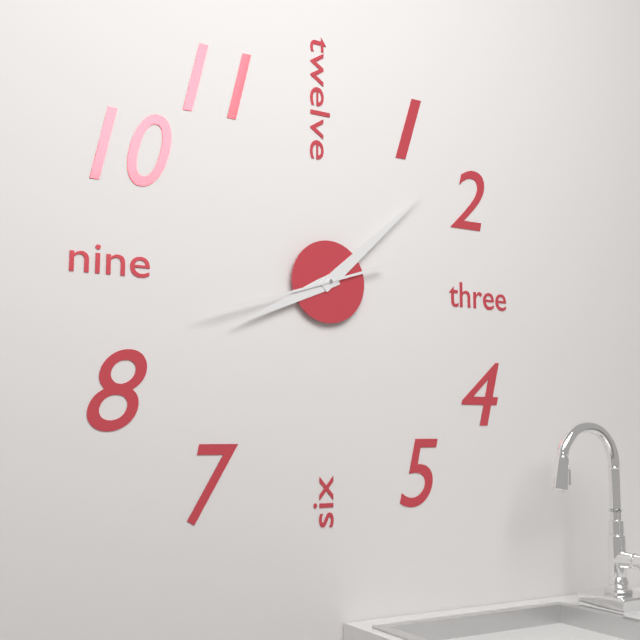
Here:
h=8 m=8 s=42
